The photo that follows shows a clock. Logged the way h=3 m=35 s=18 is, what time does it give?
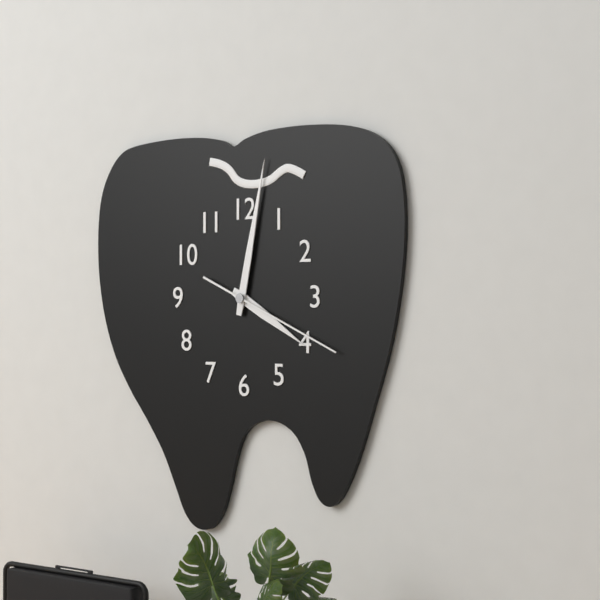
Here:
h=4 m=2 s=19
